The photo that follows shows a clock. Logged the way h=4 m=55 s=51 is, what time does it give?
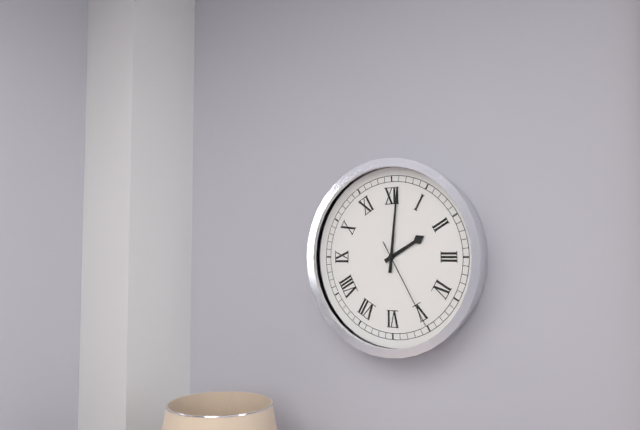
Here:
h=2 m=1 s=25
